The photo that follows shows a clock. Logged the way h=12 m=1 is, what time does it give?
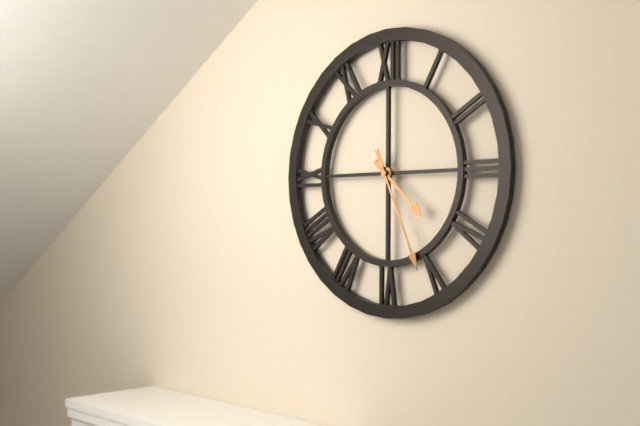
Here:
h=4 m=26
